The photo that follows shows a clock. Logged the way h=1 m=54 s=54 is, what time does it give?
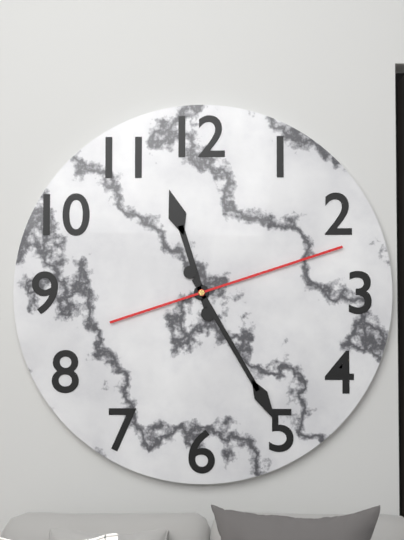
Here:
h=11 m=25 s=12
